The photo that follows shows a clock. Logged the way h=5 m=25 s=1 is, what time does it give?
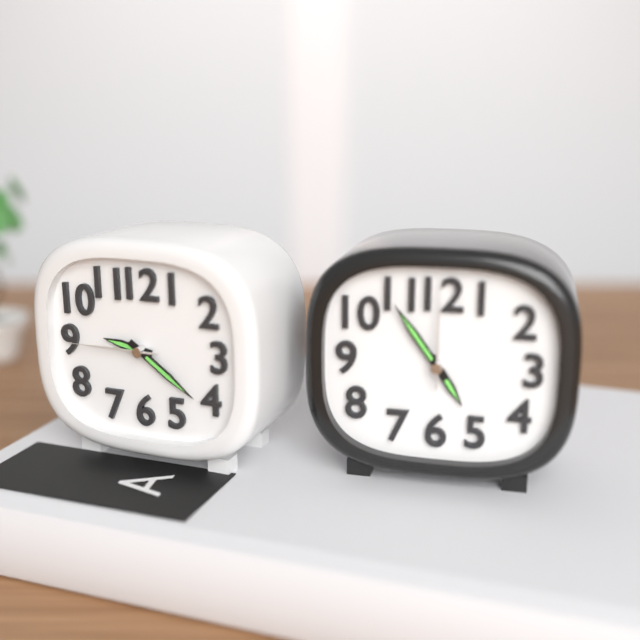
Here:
h=9 m=21 s=45
